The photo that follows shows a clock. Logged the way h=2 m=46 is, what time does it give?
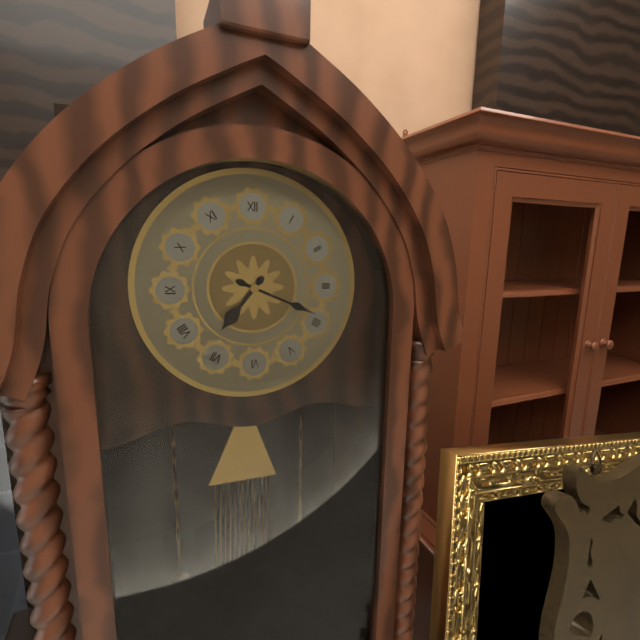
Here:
h=7 m=19
